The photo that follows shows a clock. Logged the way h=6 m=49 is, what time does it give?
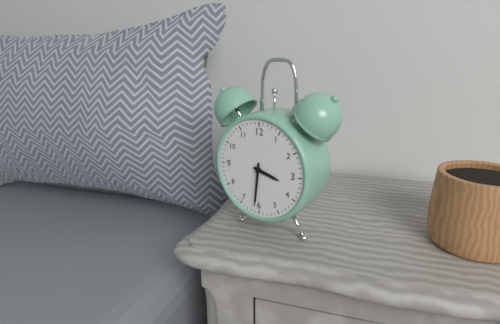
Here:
h=3 m=31
